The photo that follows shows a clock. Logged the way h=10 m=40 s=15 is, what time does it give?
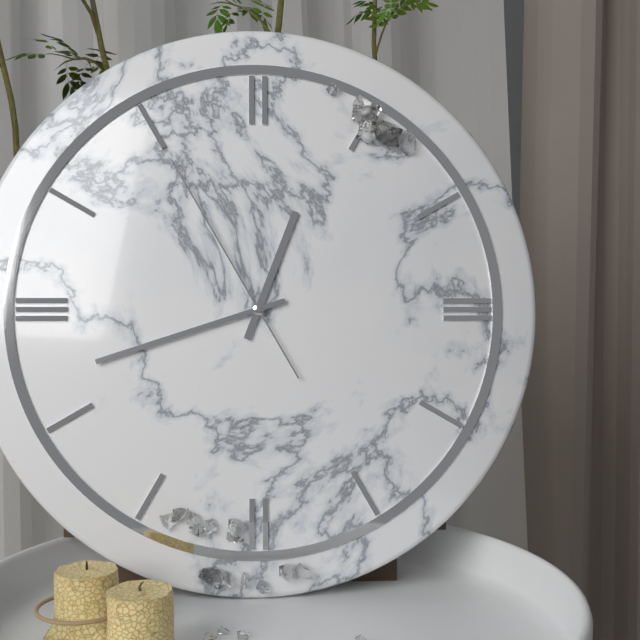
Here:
h=12 m=42 s=55
